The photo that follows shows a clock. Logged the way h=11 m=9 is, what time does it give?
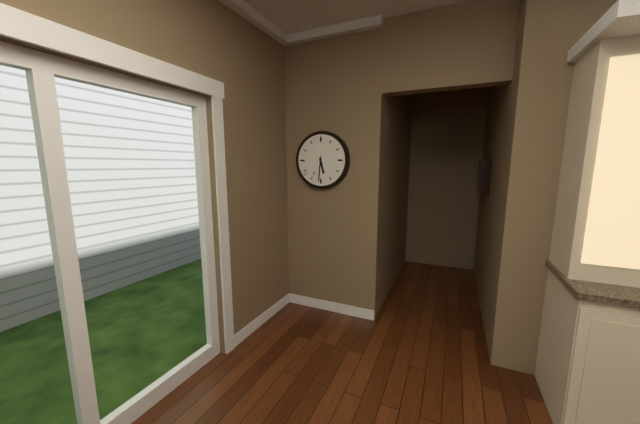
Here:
h=5 m=31
